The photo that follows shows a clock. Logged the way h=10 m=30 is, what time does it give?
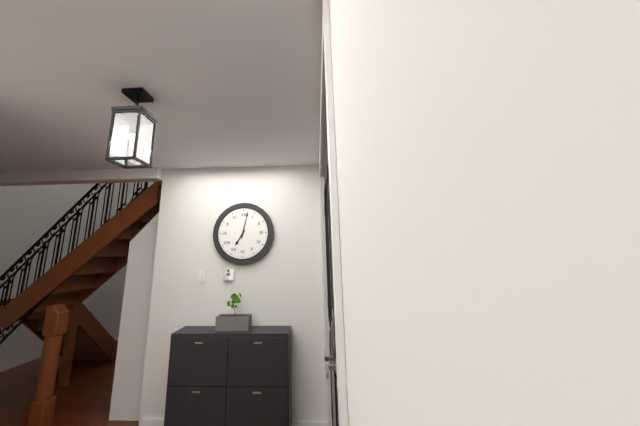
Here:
h=7 m=2
